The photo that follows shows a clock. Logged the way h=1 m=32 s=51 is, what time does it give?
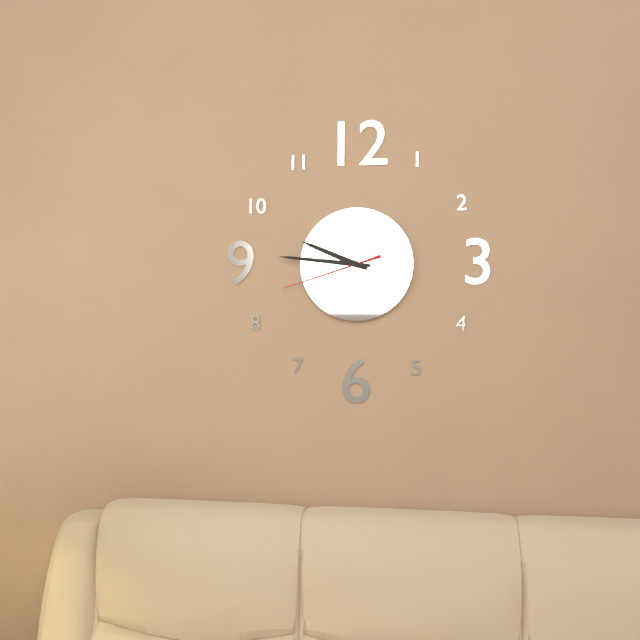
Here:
h=9 m=46 s=42
